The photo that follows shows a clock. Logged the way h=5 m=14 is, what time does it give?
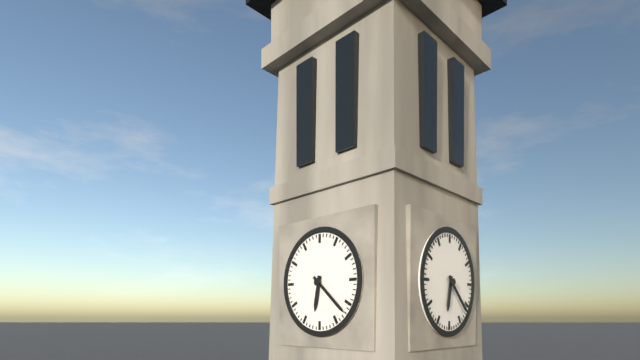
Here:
h=6 m=22
